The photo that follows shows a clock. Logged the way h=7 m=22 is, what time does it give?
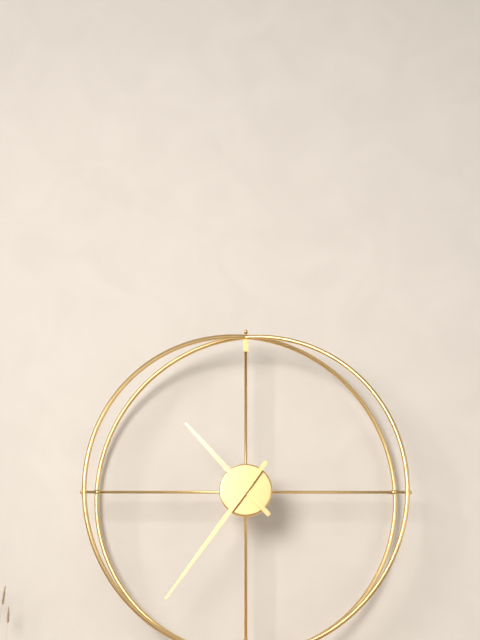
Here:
h=10 m=36
